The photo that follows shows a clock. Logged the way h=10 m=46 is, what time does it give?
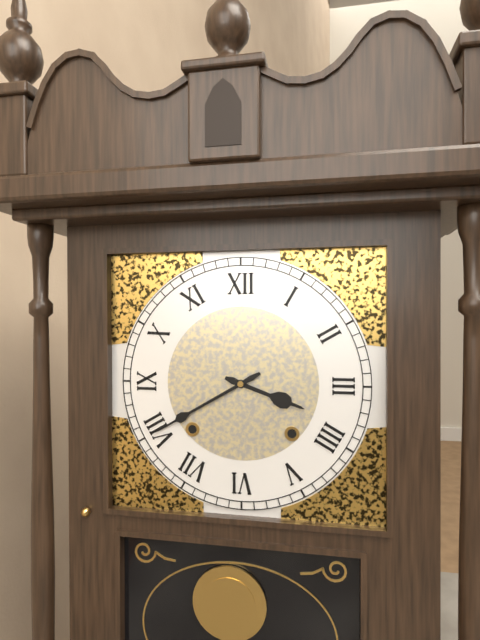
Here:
h=3 m=40
